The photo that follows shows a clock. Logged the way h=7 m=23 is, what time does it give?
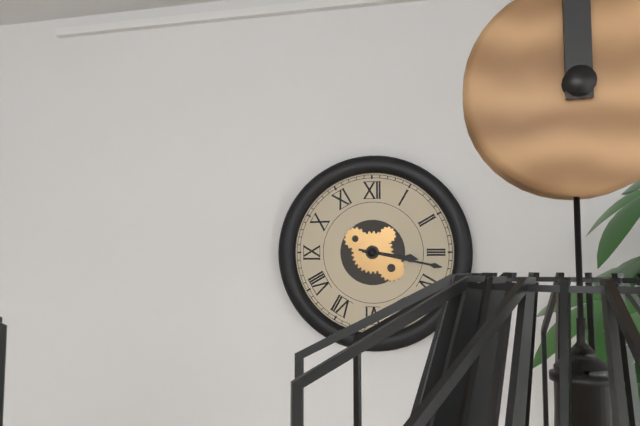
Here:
h=3 m=17
